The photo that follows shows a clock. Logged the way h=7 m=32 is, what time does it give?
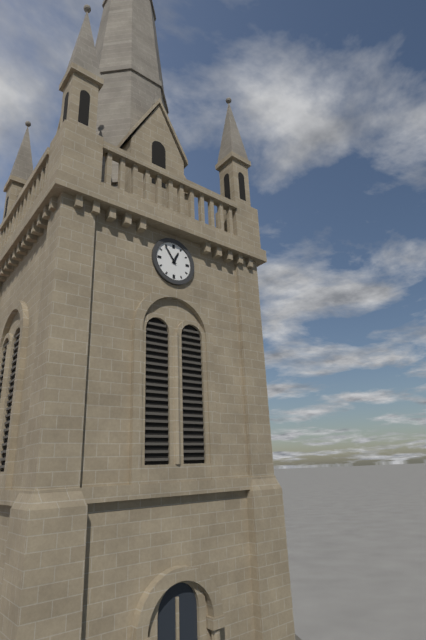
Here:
h=12 m=54
